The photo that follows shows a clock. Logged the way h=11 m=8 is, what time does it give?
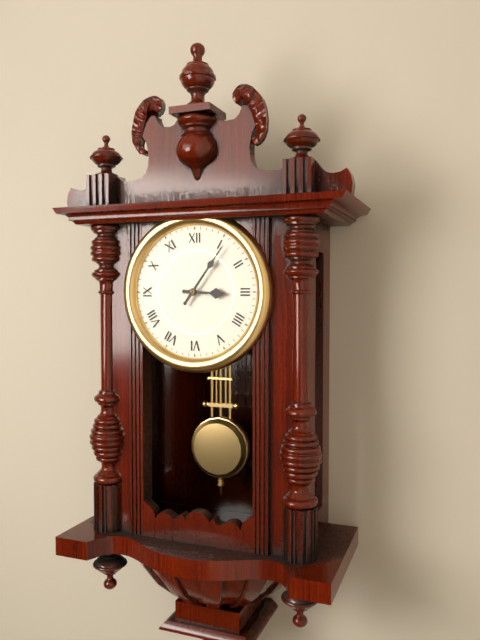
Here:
h=3 m=6
